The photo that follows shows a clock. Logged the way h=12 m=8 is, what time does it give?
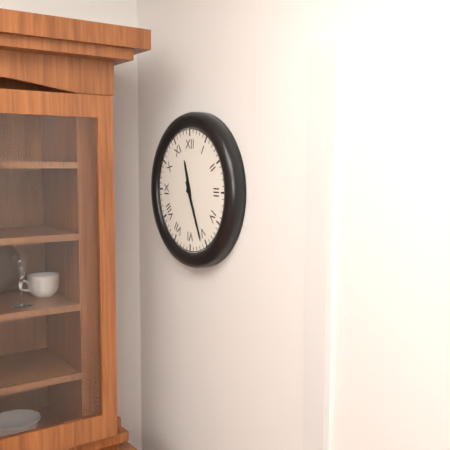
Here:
h=11 m=26
